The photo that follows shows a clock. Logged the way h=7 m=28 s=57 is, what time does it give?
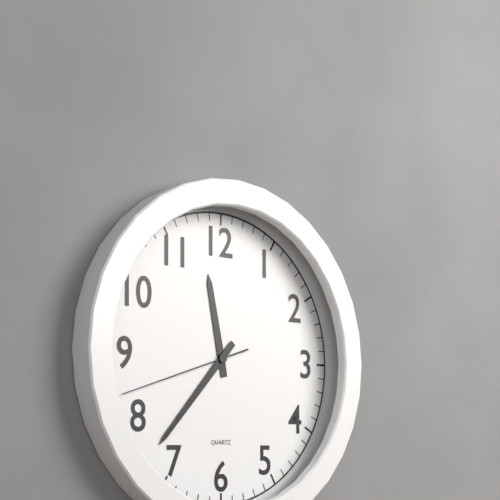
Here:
h=11 m=37 s=42
